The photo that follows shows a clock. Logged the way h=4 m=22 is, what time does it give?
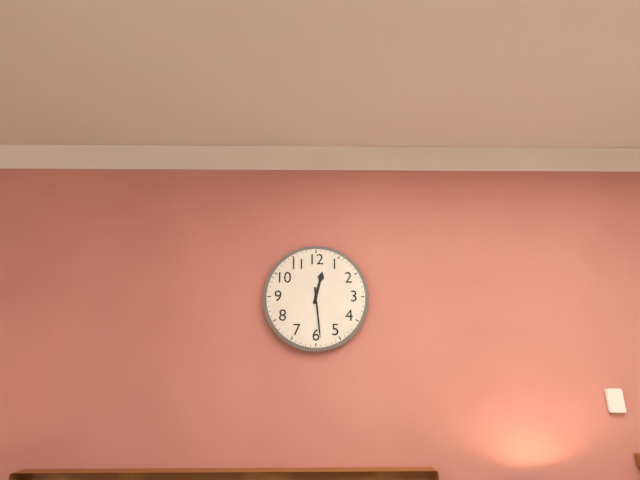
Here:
h=12 m=29
